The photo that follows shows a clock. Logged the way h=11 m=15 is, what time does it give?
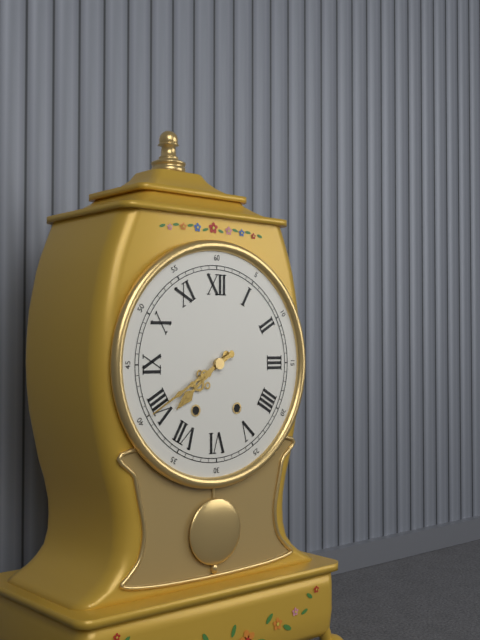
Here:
h=7 m=40
